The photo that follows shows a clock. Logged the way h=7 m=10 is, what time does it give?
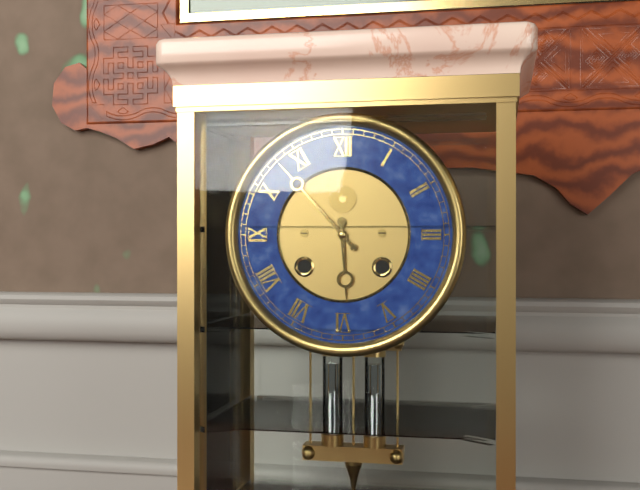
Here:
h=5 m=53
